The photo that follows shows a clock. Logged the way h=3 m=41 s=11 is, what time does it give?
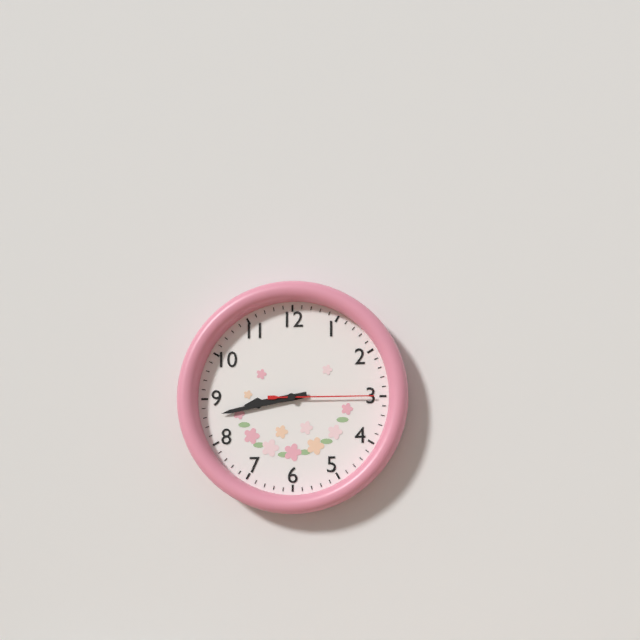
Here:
h=8 m=43 s=15
